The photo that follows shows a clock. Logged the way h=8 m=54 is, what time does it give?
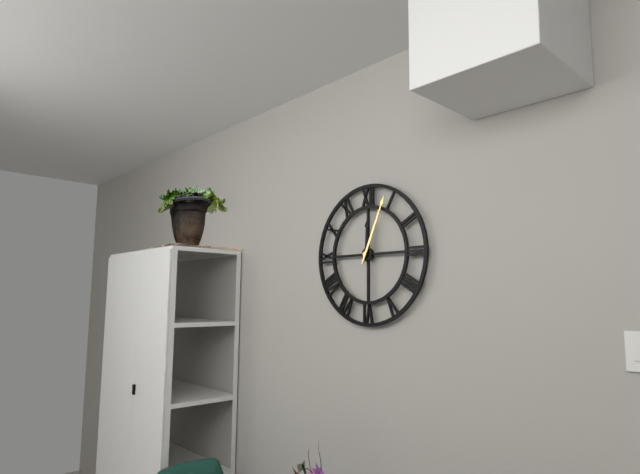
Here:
h=12 m=4
